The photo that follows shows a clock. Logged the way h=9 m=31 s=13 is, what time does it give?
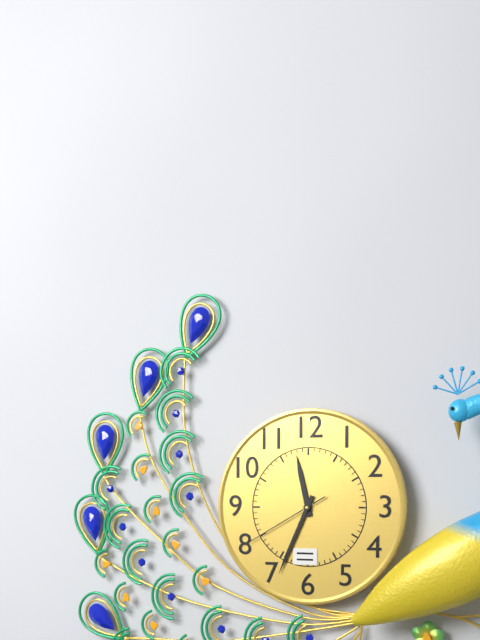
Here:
h=11 m=34 s=40
